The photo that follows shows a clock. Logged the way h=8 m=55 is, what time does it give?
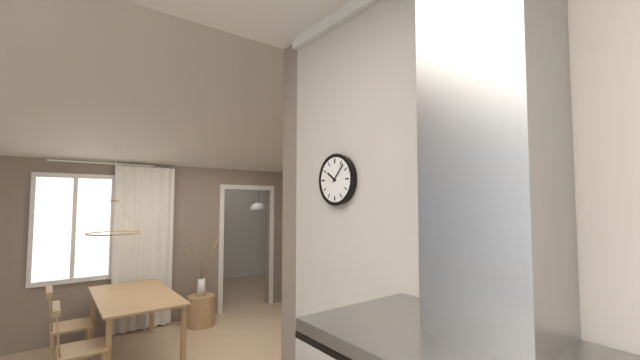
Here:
h=10 m=7
